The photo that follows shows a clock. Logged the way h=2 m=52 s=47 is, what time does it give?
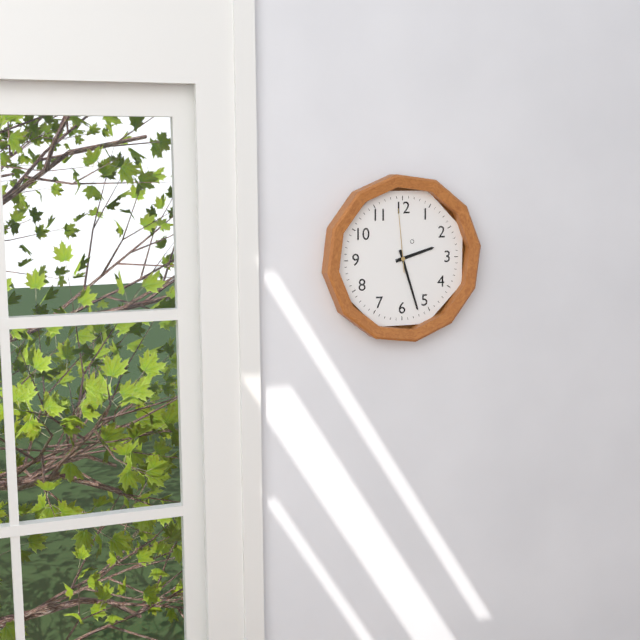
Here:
h=2 m=27 s=59
